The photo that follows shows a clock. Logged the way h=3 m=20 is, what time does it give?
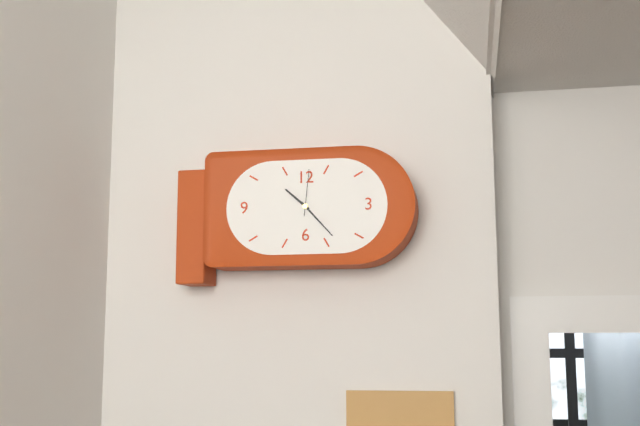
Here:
h=10 m=23
